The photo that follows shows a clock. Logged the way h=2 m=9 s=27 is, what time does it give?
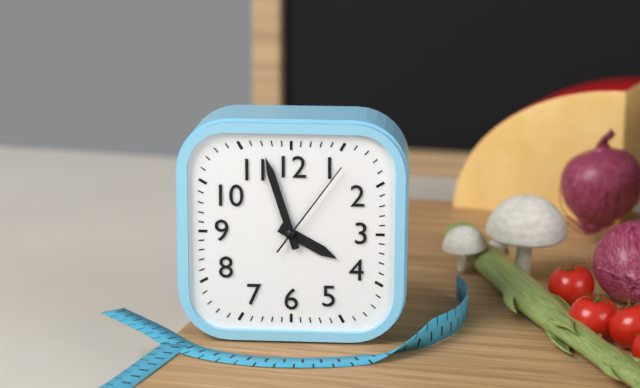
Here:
h=3 m=57 s=6
